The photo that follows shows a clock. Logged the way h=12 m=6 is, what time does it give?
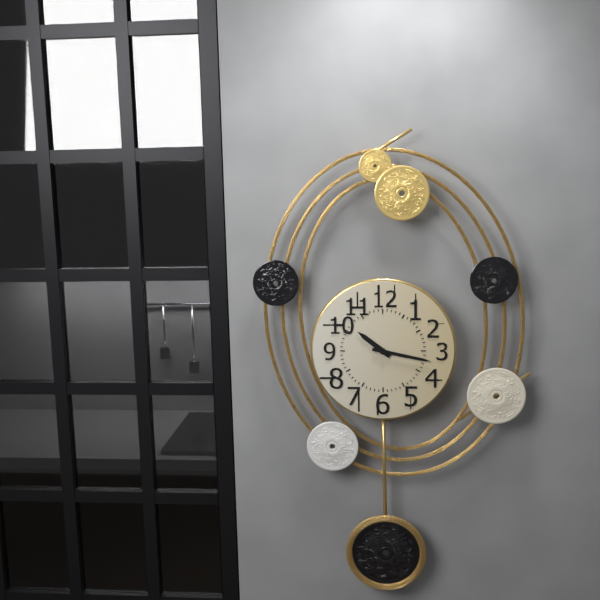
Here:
h=10 m=17
